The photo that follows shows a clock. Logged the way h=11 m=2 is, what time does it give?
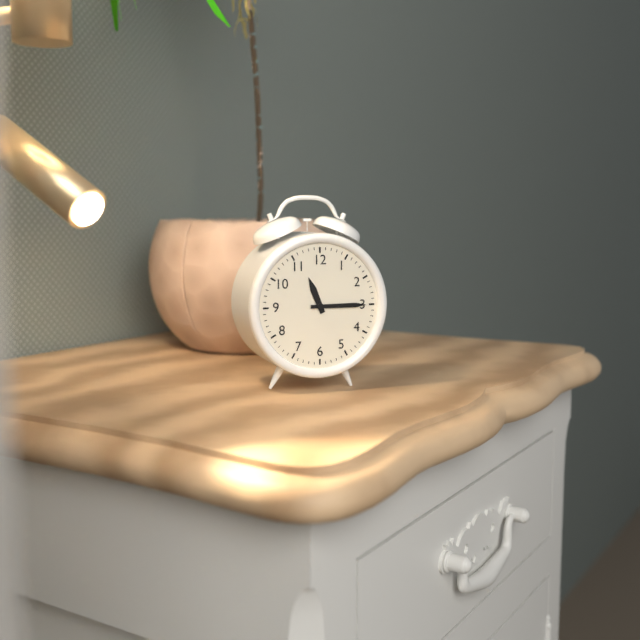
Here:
h=11 m=15
